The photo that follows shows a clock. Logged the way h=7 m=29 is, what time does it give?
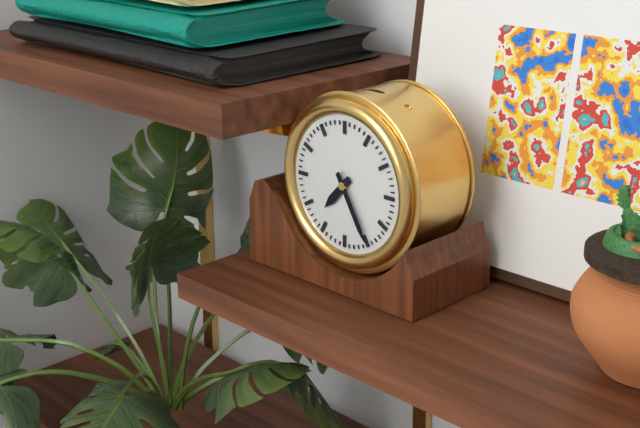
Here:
h=7 m=25
